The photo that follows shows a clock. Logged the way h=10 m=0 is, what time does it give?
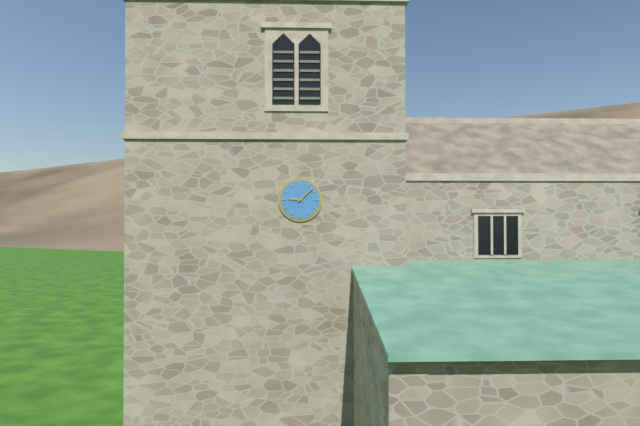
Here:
h=9 m=8
